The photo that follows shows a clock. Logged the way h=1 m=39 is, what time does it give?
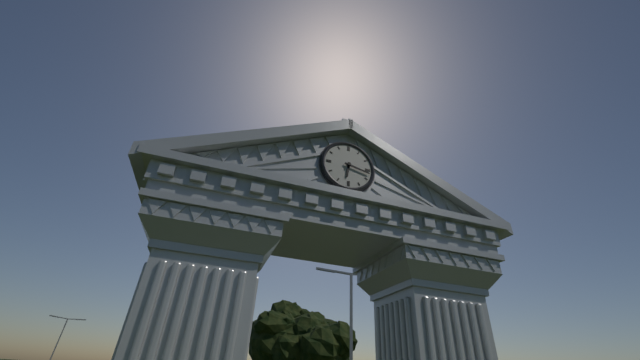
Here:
h=6 m=17
